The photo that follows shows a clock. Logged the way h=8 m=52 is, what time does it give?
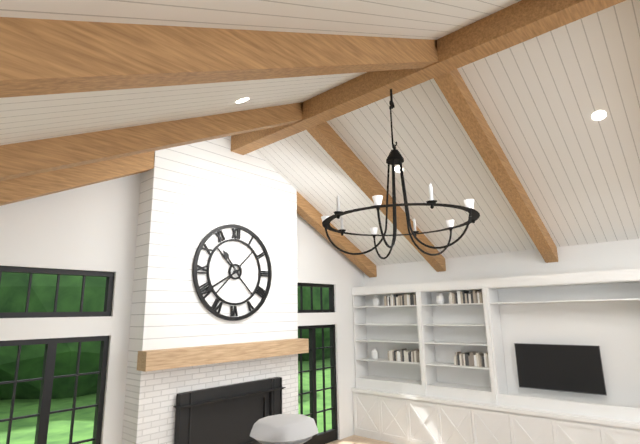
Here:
h=10 m=40
